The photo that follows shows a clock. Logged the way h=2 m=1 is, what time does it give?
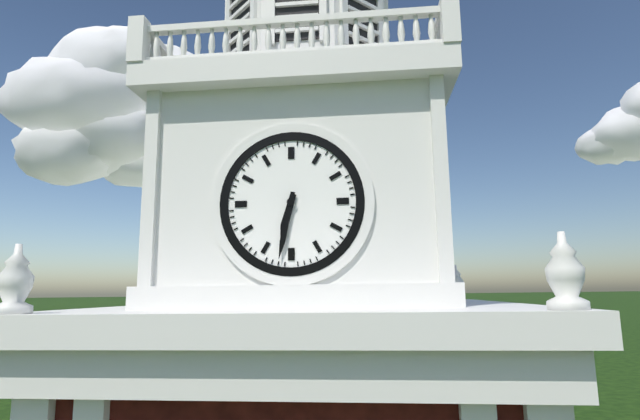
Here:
h=6 m=32
